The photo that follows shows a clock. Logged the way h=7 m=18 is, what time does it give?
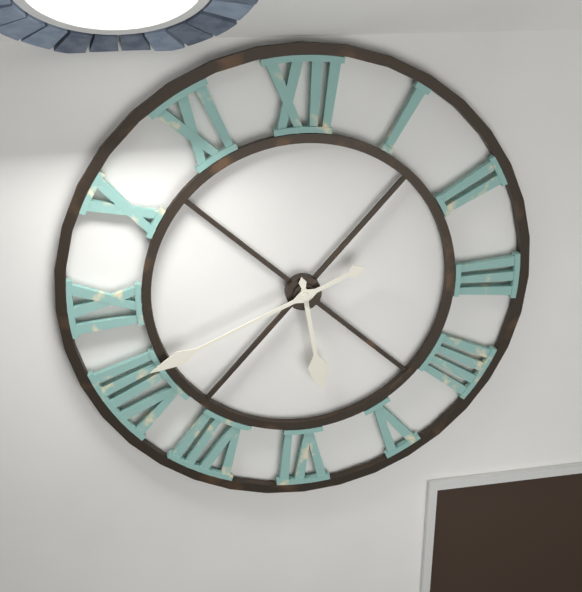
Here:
h=5 m=41
